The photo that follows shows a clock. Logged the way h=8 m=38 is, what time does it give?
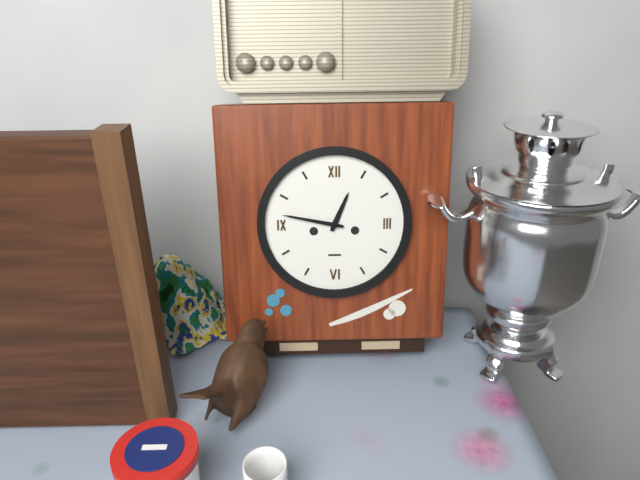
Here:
h=12 m=47
